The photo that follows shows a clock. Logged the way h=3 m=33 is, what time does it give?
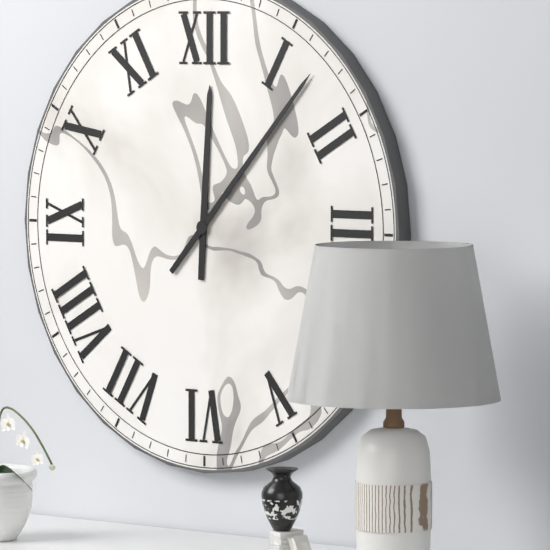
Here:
h=12 m=7
